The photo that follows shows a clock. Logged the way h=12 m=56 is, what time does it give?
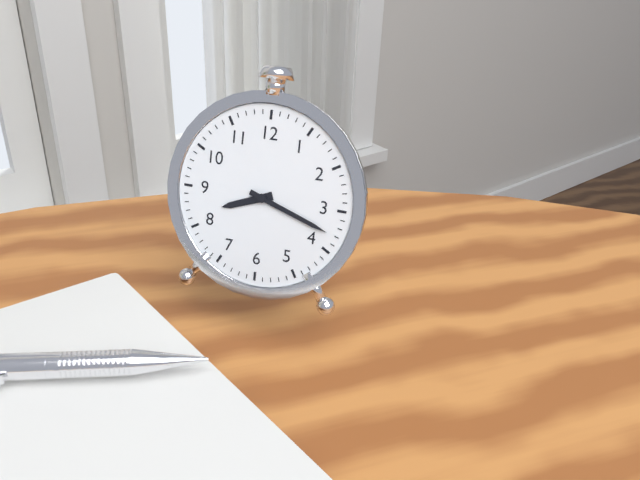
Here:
h=8 m=18
